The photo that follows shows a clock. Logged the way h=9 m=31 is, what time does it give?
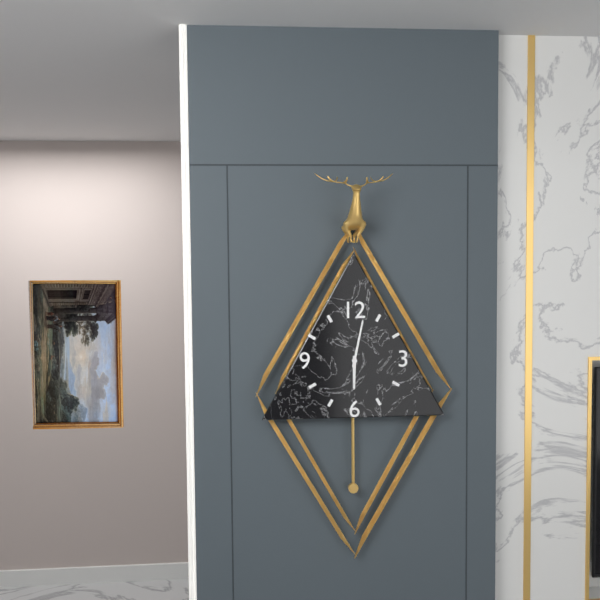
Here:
h=6 m=2
